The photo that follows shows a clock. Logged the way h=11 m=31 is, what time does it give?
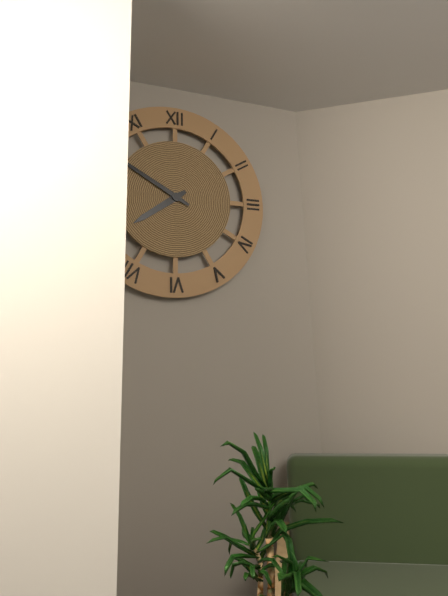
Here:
h=7 m=50
